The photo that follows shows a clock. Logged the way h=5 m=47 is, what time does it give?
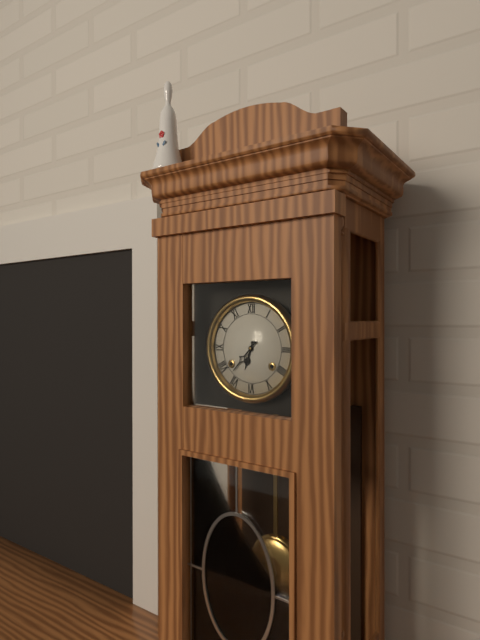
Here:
h=6 m=37
